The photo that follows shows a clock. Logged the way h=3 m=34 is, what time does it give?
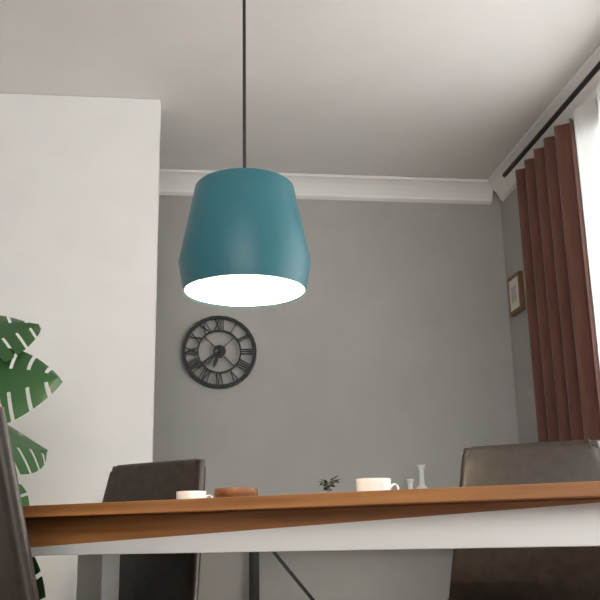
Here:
h=6 m=39
